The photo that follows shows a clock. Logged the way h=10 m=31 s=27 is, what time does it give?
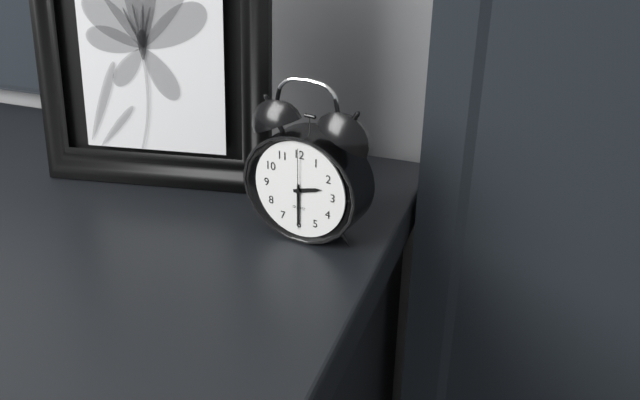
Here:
h=2 m=30 s=0
